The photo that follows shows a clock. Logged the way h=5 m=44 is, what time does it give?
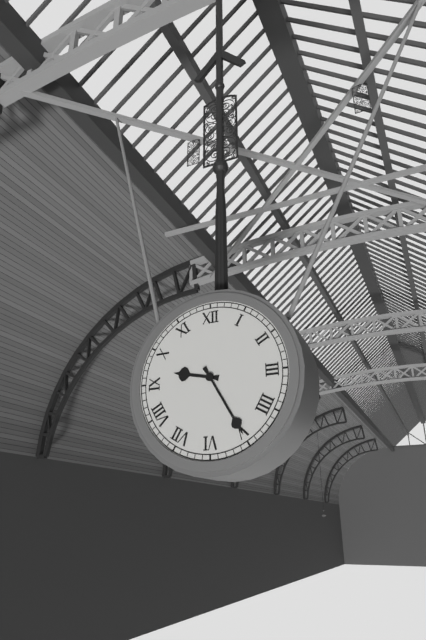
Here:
h=9 m=25
